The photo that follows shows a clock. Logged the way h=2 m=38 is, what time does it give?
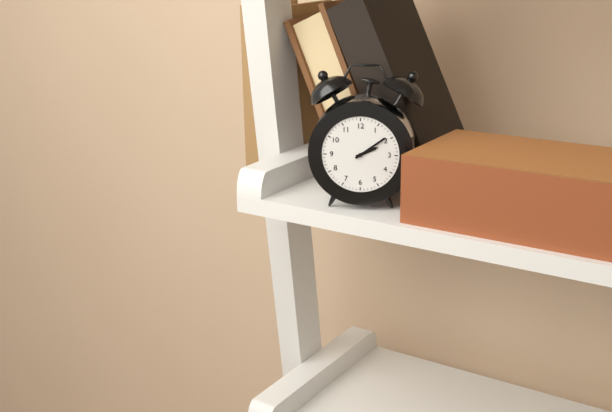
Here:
h=2 m=9
